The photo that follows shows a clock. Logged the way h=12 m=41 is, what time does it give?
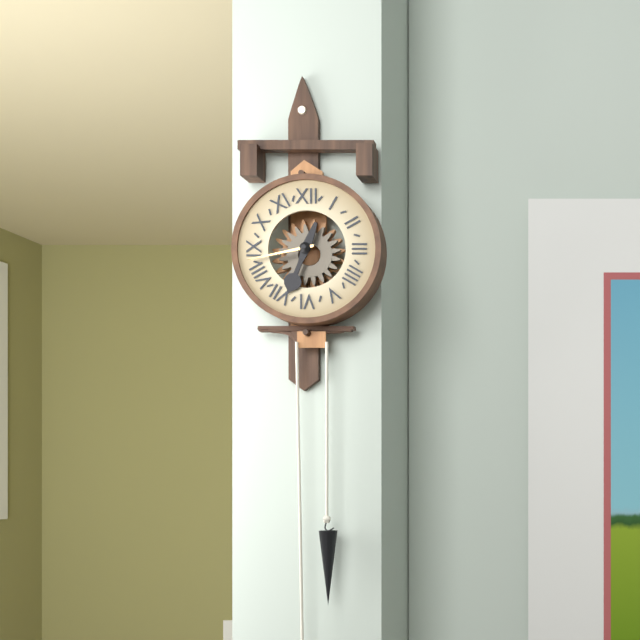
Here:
h=6 m=43
